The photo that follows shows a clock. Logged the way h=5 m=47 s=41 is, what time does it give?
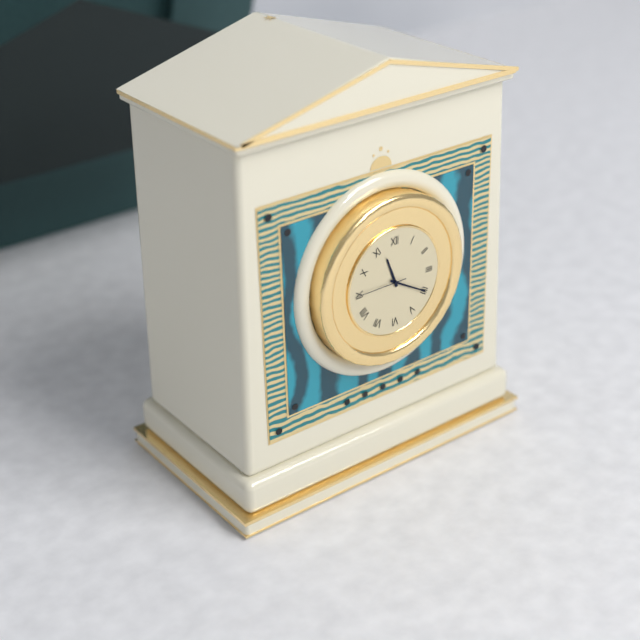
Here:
h=11 m=20 s=45
